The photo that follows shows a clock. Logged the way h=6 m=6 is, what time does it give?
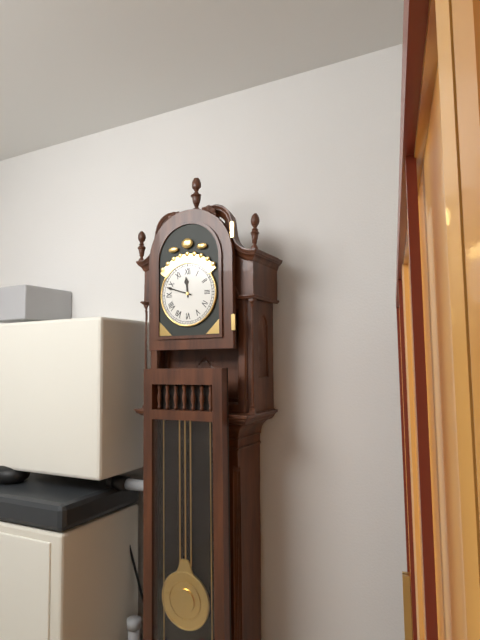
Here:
h=11 m=48
